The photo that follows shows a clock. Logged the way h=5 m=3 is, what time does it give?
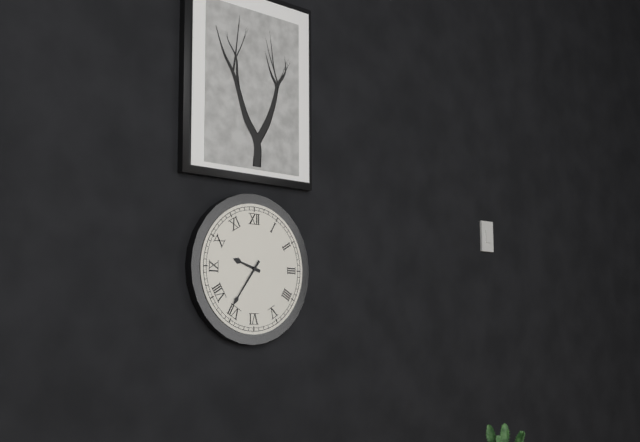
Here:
h=9 m=36
